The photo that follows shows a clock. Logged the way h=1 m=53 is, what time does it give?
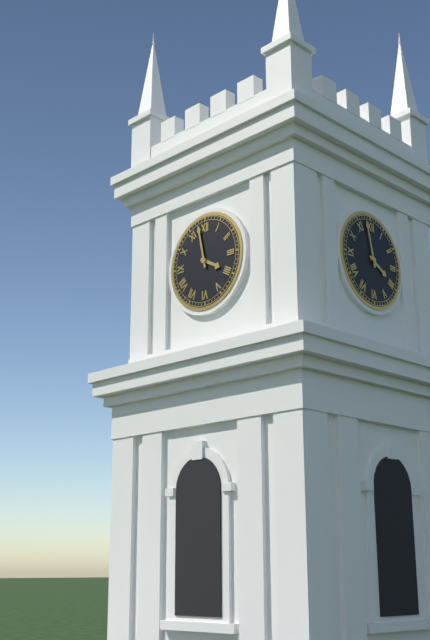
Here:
h=3 m=58
